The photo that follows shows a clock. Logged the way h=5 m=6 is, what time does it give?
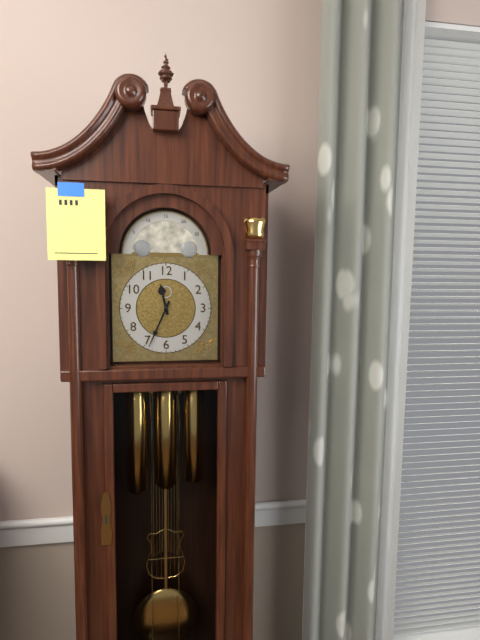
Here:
h=11 m=34
